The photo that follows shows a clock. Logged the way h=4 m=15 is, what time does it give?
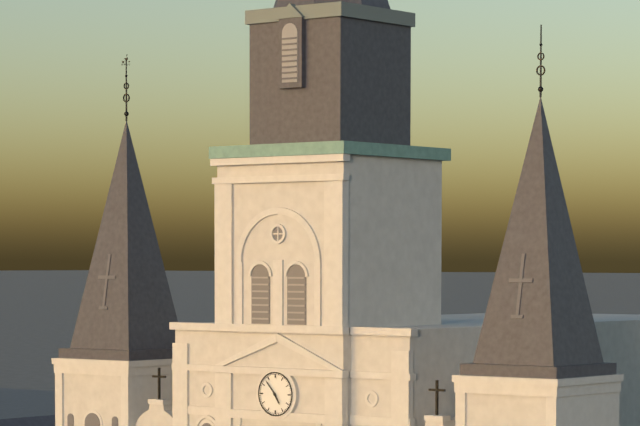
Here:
h=4 m=53
